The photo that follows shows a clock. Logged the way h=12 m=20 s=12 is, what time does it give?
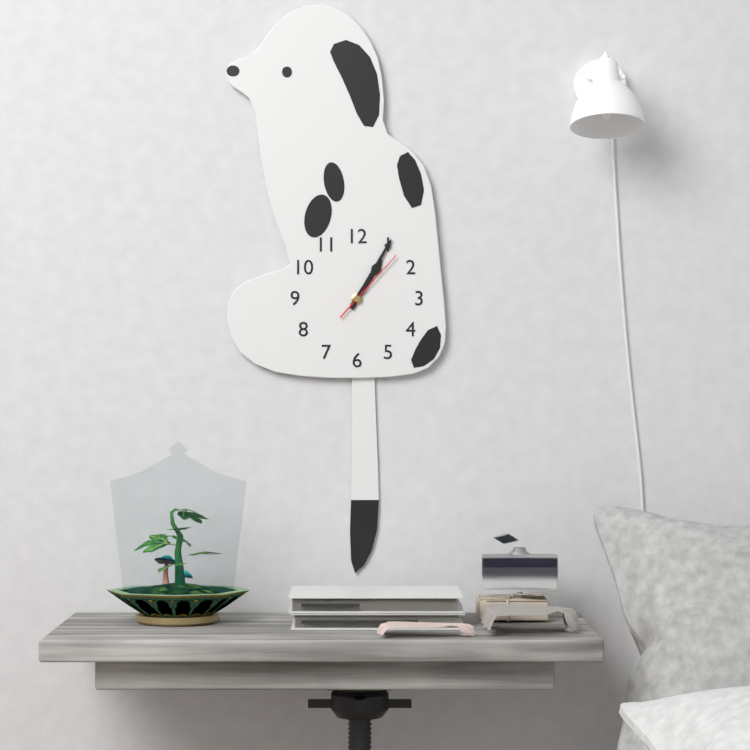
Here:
h=1 m=5 s=7
